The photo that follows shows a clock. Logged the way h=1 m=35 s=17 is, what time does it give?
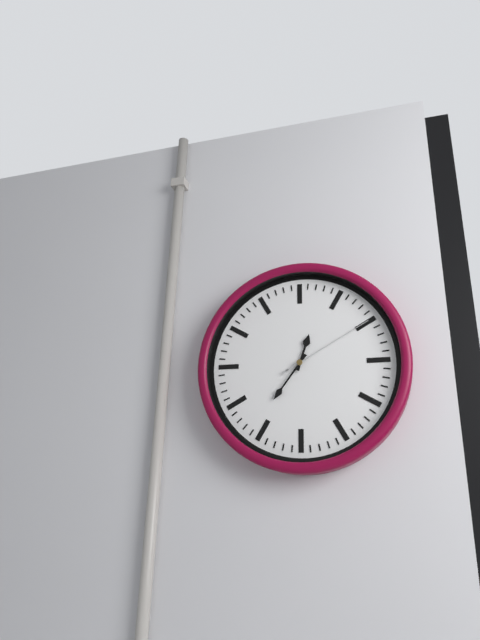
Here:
h=12 m=36 s=10
